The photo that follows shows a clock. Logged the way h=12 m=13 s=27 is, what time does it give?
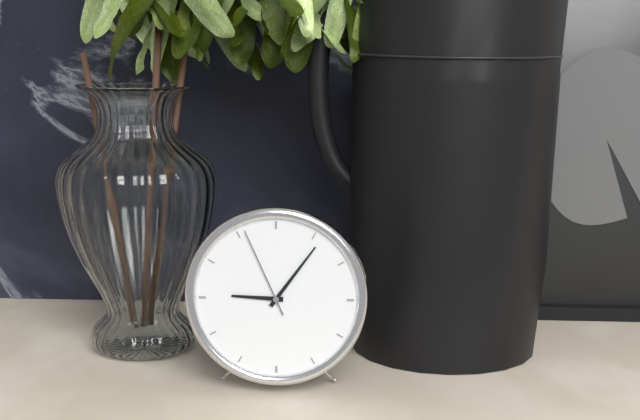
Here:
h=9 m=6 s=56
